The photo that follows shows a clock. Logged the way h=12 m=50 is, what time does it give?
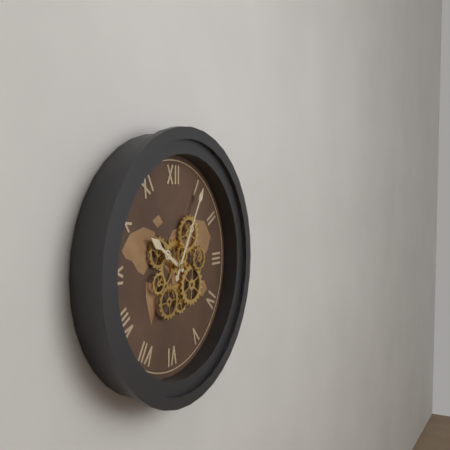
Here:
h=10 m=5
